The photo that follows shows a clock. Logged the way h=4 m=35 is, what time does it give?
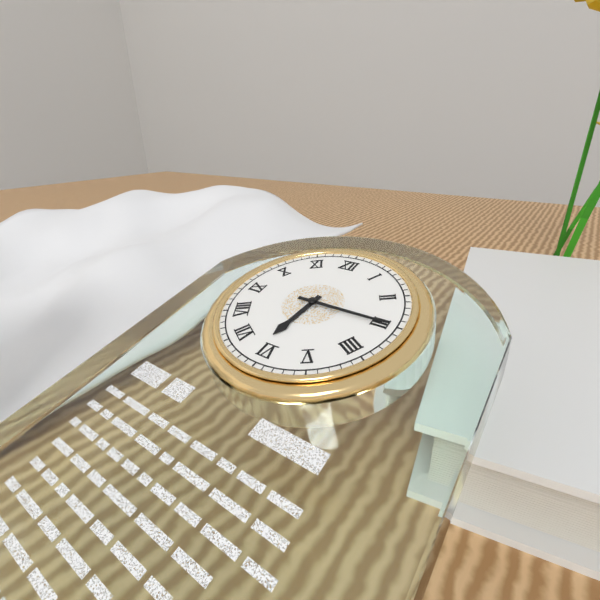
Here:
h=6 m=15
